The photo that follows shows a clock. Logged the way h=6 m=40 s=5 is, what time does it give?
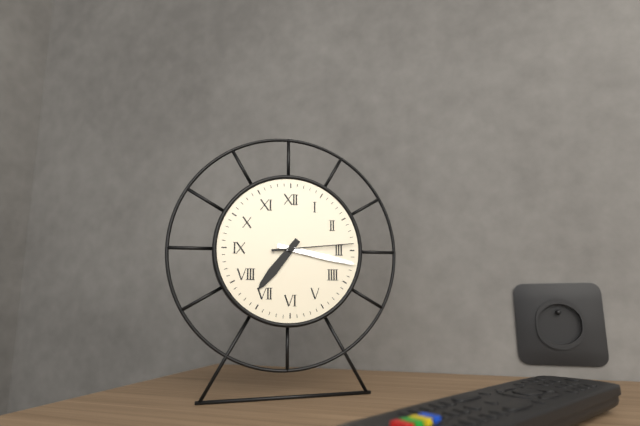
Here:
h=7 m=17 s=14
